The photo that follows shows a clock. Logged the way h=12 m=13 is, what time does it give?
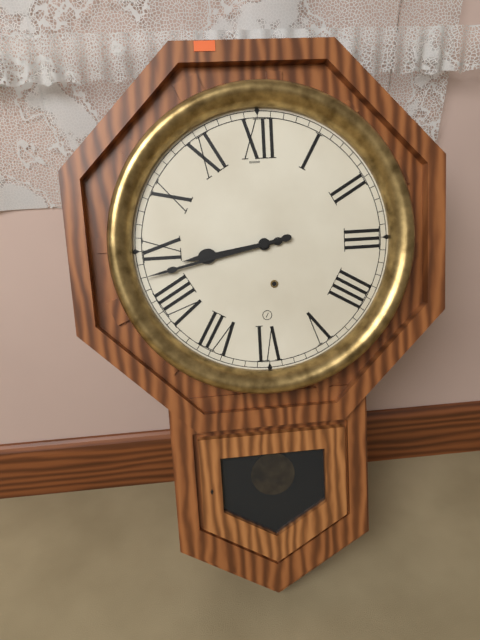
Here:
h=8 m=43
